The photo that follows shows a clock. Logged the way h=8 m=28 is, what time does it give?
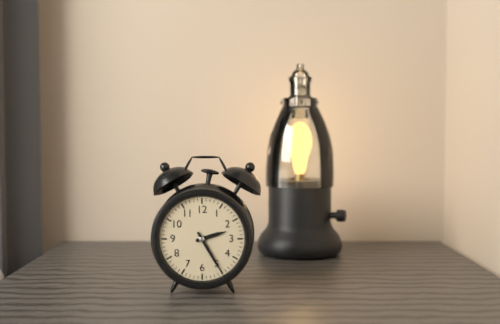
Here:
h=2 m=25
